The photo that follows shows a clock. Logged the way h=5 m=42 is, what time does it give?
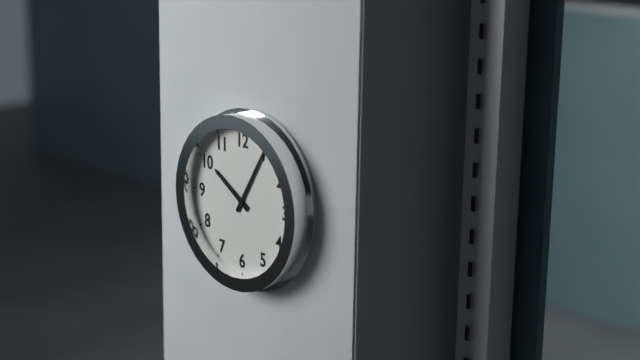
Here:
h=10 m=5
